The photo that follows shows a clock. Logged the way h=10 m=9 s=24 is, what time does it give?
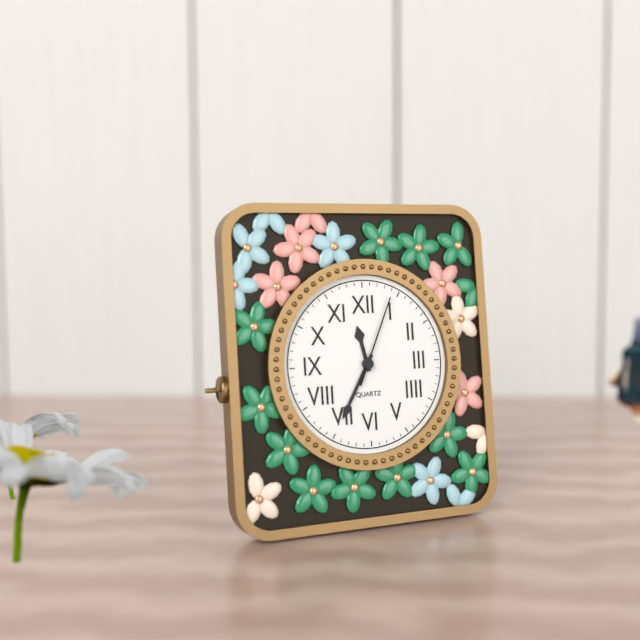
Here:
h=11 m=35 s=4
